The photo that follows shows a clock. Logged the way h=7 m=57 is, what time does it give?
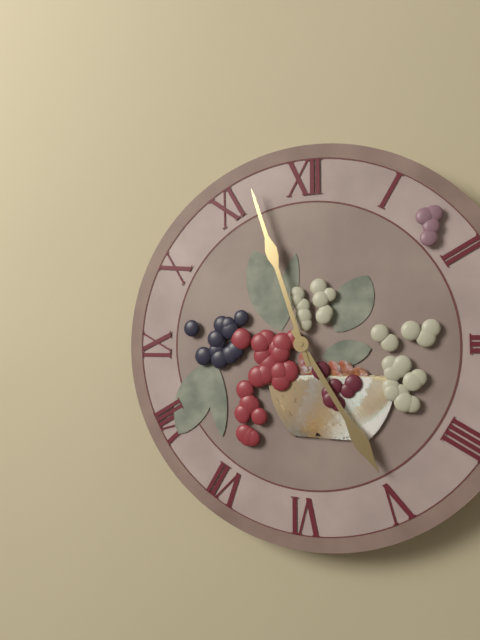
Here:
h=4 m=57
